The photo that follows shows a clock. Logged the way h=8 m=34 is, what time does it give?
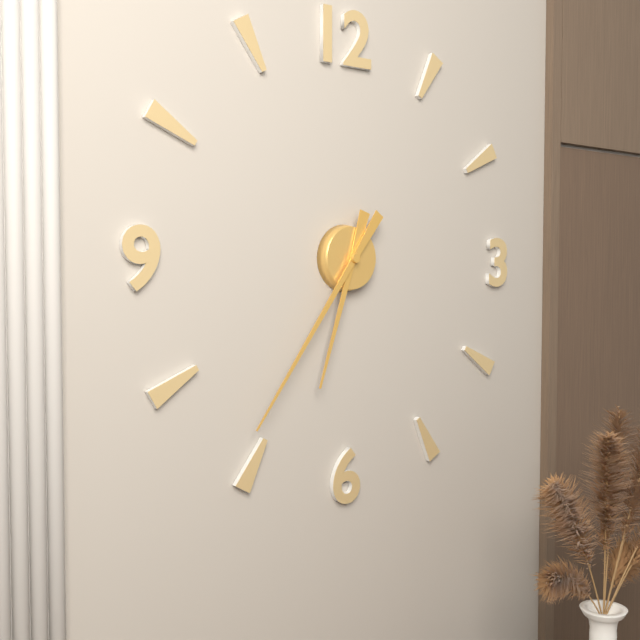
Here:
h=6 m=36
